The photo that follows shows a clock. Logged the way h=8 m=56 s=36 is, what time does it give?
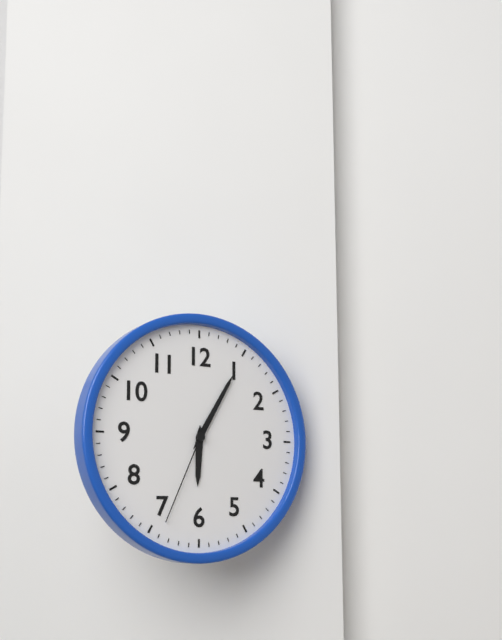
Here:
h=6 m=5 s=34
